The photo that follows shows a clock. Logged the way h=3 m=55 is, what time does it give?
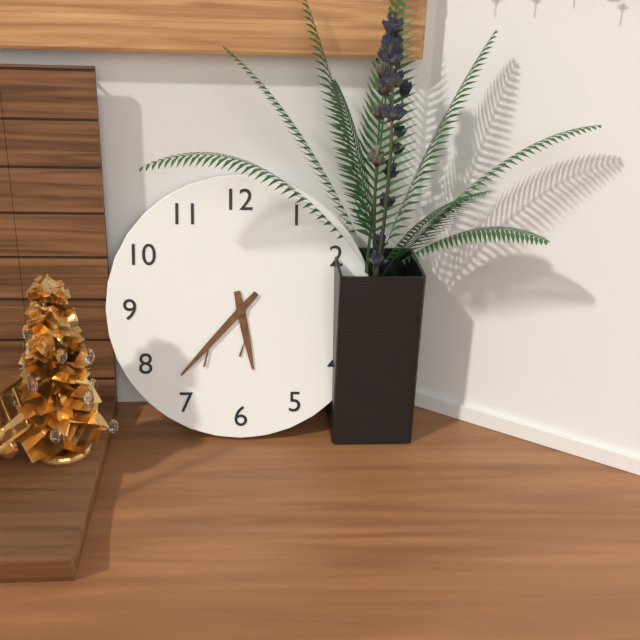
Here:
h=5 m=37
